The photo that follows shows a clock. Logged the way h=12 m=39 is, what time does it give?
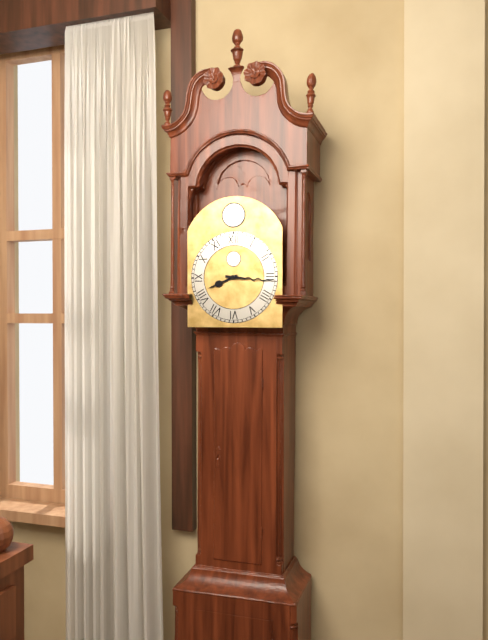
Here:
h=8 m=16
